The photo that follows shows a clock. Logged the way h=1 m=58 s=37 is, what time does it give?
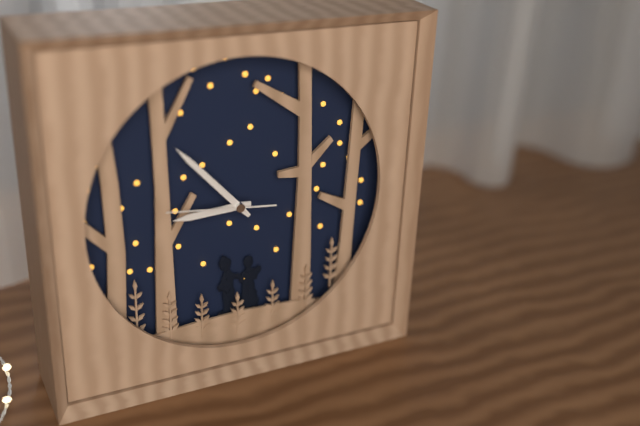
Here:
h=8 m=53 s=46
